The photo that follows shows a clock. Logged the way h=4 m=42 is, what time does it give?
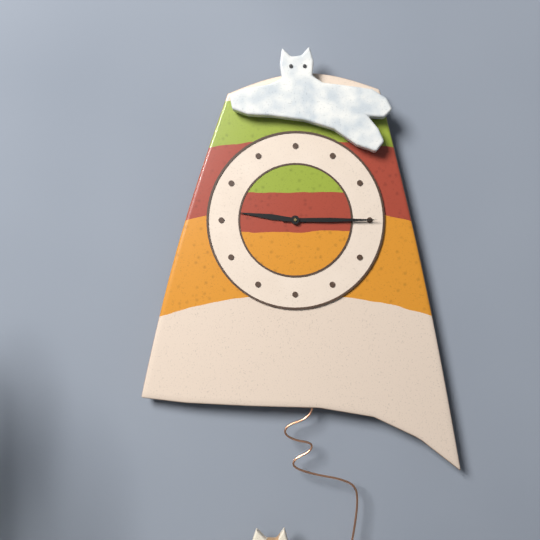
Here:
h=9 m=15
